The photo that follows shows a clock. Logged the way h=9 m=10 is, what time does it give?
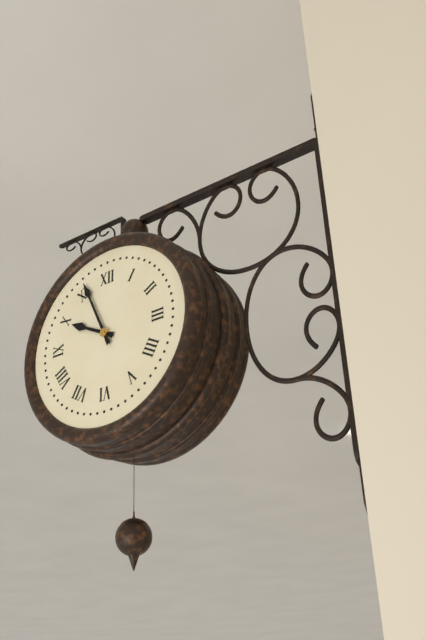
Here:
h=9 m=56
